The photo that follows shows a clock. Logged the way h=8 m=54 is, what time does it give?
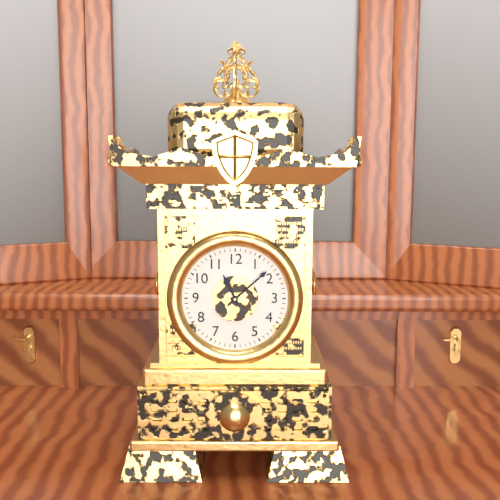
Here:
h=11 m=8
